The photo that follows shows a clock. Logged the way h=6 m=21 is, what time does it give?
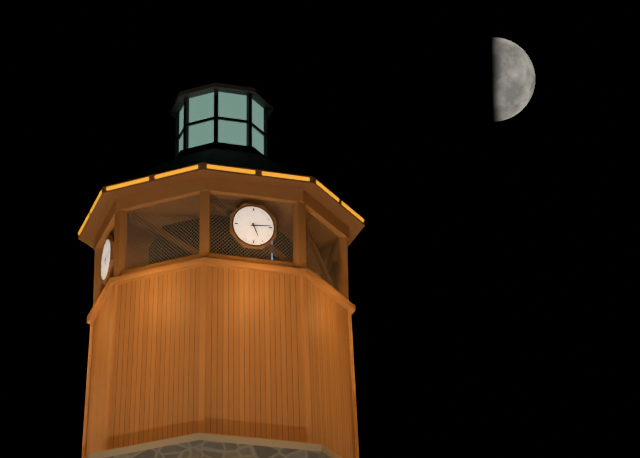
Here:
h=5 m=14
